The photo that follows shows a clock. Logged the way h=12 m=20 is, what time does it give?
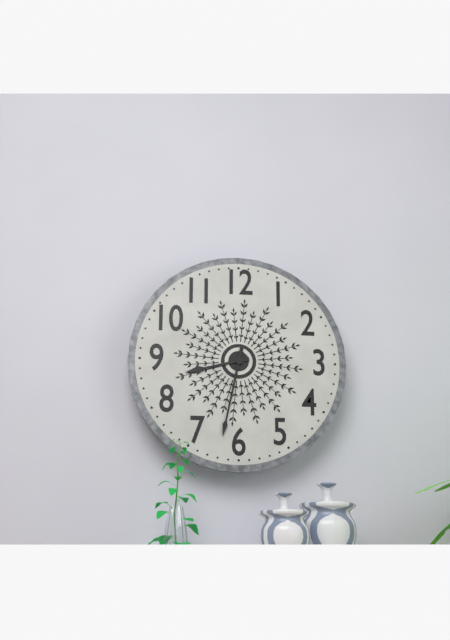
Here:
h=8 m=32
